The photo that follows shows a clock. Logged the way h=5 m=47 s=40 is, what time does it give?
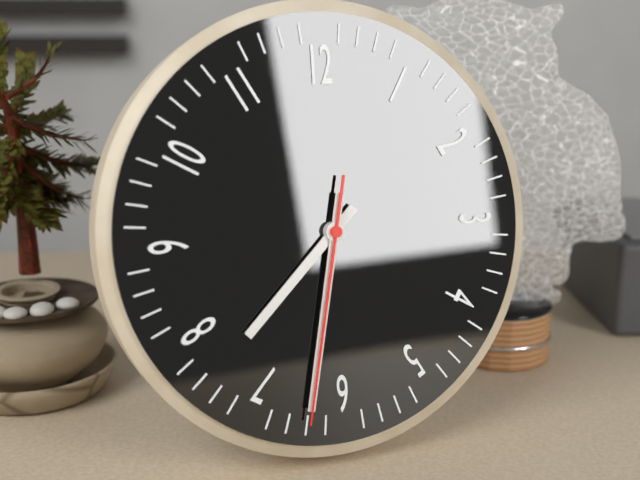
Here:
h=7 m=32 s=32
